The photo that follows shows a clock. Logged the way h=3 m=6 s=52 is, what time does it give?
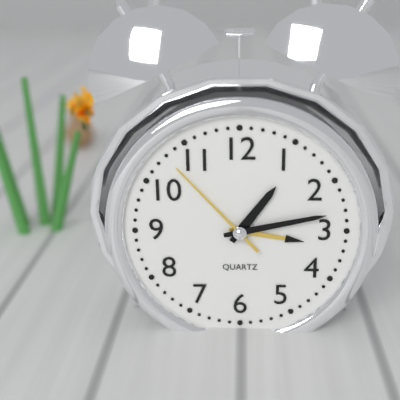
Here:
h=1 m=13 s=53
